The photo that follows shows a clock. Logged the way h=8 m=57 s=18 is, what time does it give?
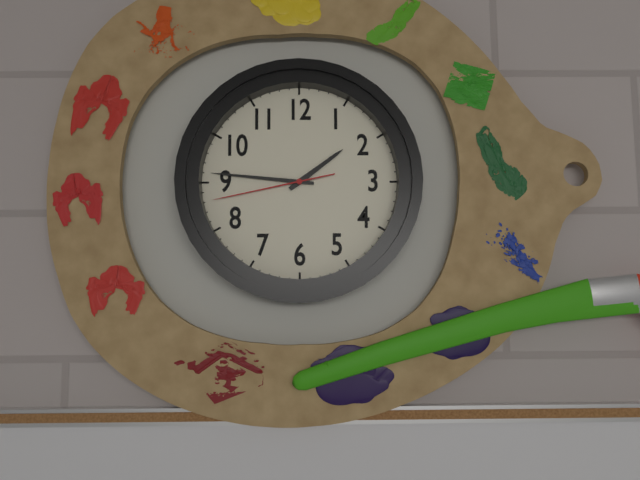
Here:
h=1 m=46 s=43
